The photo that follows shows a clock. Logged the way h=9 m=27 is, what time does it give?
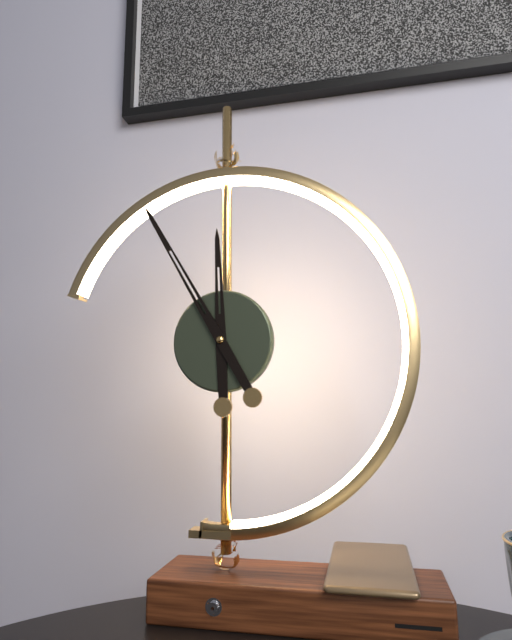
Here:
h=11 m=55
